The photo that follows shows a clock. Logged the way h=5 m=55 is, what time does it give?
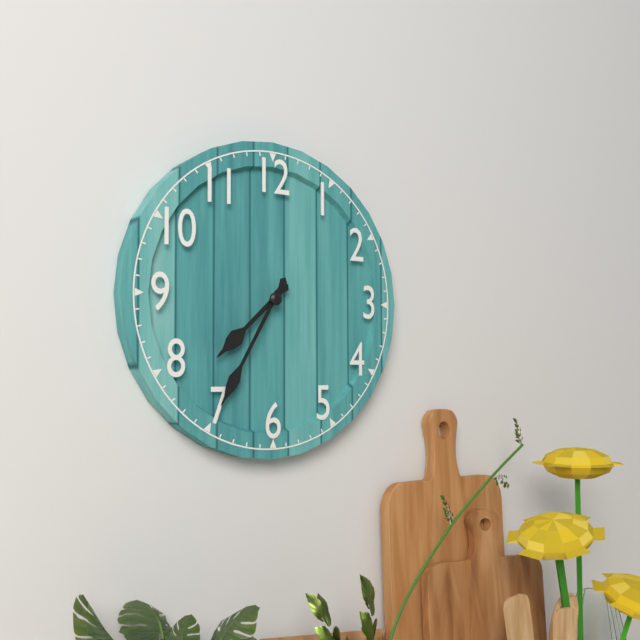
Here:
h=7 m=35
